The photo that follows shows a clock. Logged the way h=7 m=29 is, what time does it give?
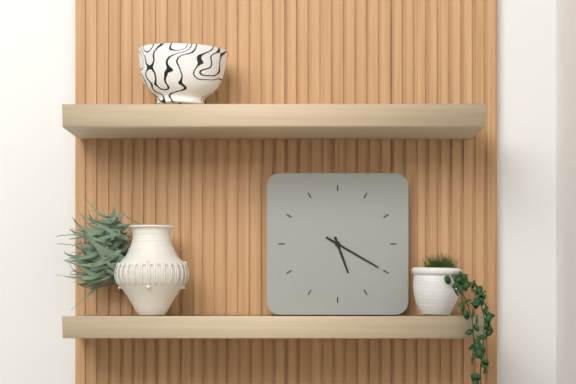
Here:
h=5 m=20
